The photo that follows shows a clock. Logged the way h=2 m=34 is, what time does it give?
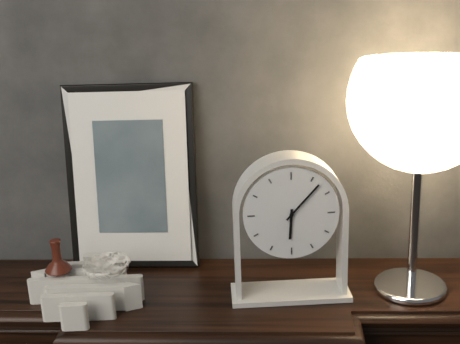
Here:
h=6 m=7
